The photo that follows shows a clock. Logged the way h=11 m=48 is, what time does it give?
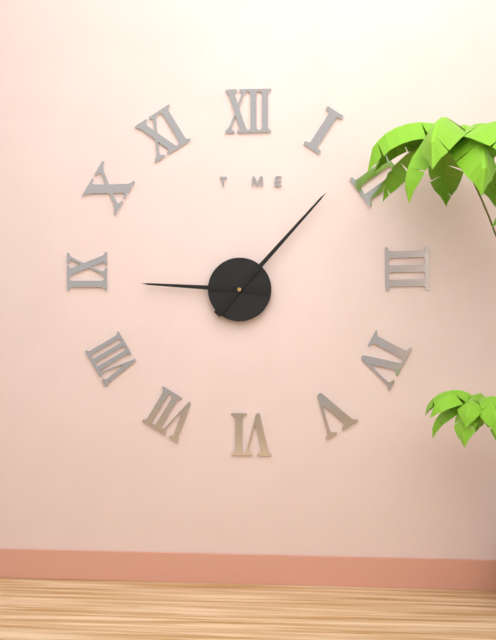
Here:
h=9 m=7
